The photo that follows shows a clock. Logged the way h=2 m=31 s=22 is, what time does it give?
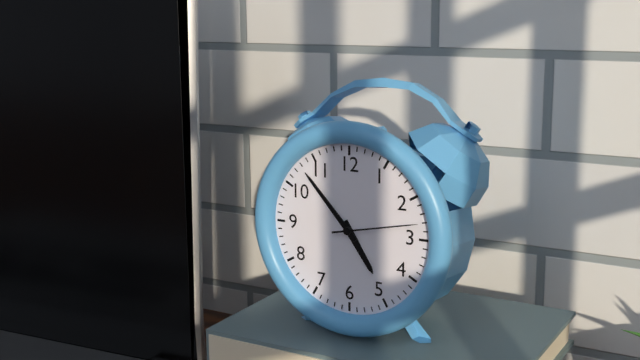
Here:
h=4 m=53 s=13
